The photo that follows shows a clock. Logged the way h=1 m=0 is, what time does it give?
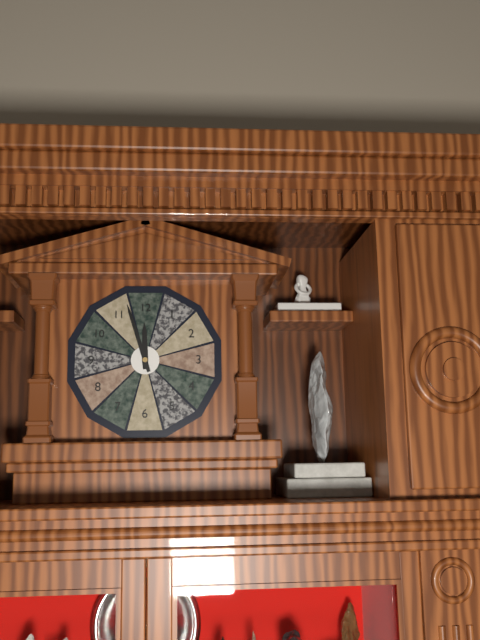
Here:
h=11 m=57
